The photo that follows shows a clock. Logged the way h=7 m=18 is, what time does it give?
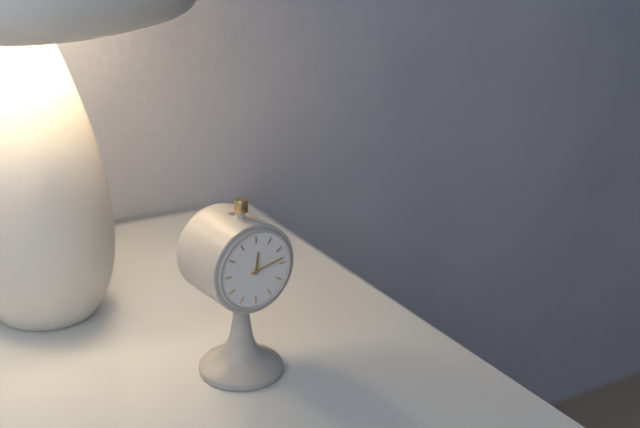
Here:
h=12 m=13
